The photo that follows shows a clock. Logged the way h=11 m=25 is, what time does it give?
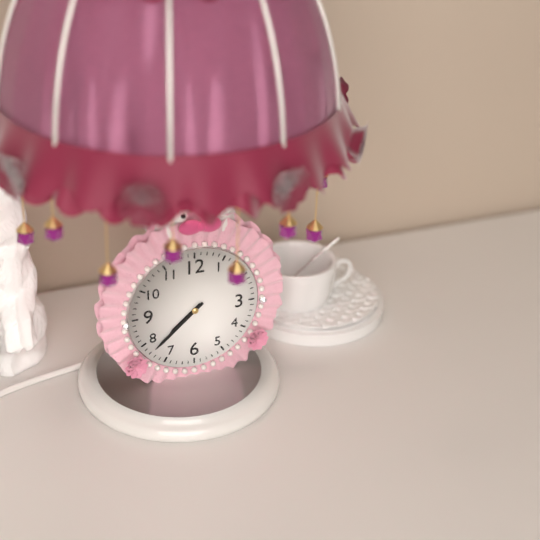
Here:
h=7 m=38
